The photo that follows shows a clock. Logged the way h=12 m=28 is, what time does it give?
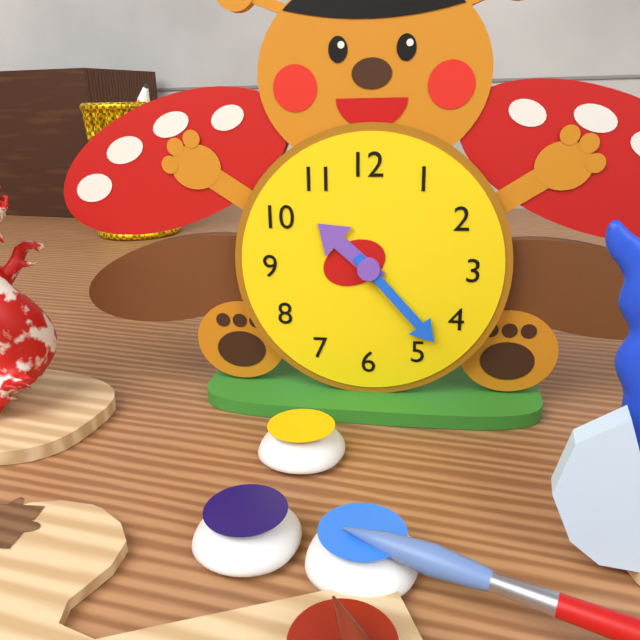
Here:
h=10 m=23
